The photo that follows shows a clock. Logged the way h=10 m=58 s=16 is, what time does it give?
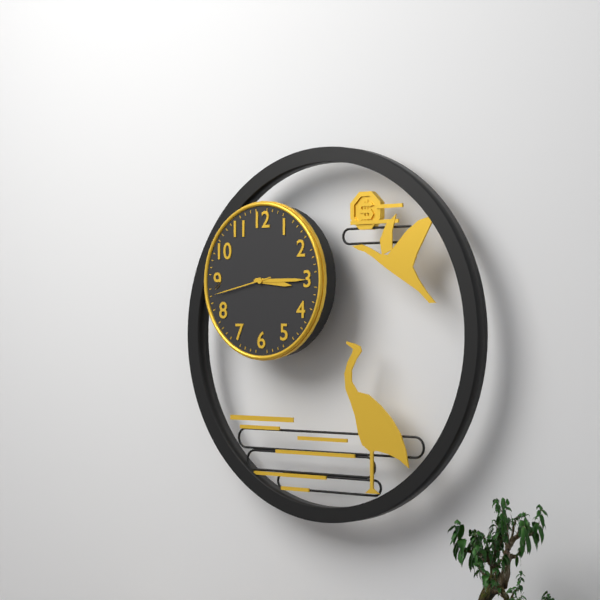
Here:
h=3 m=15 s=43
